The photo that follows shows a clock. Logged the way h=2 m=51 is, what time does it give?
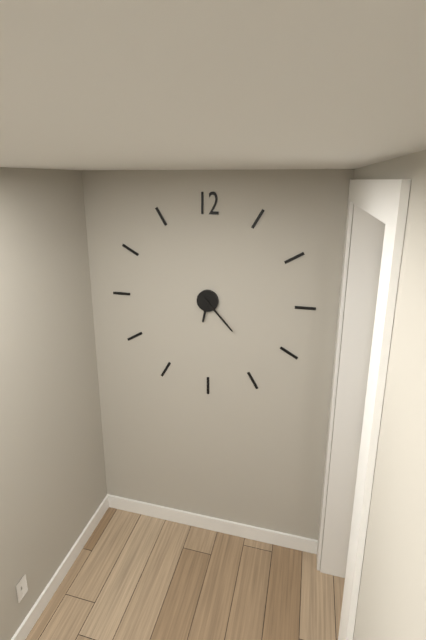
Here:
h=6 m=23
